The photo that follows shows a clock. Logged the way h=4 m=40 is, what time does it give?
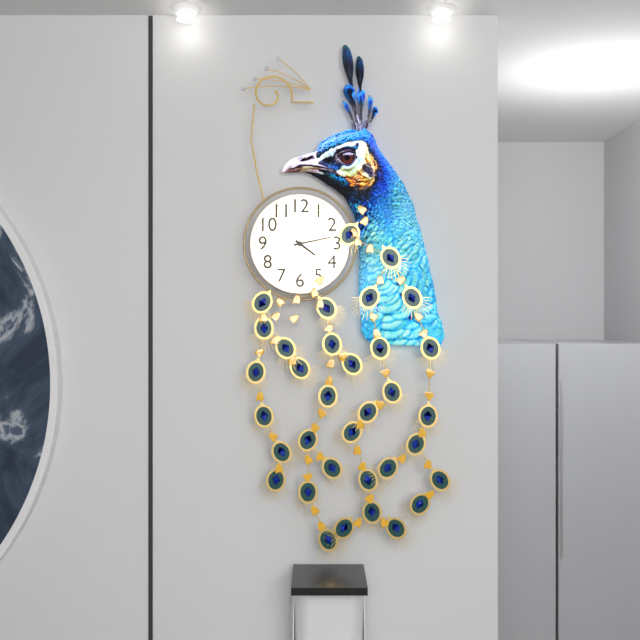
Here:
h=4 m=13
